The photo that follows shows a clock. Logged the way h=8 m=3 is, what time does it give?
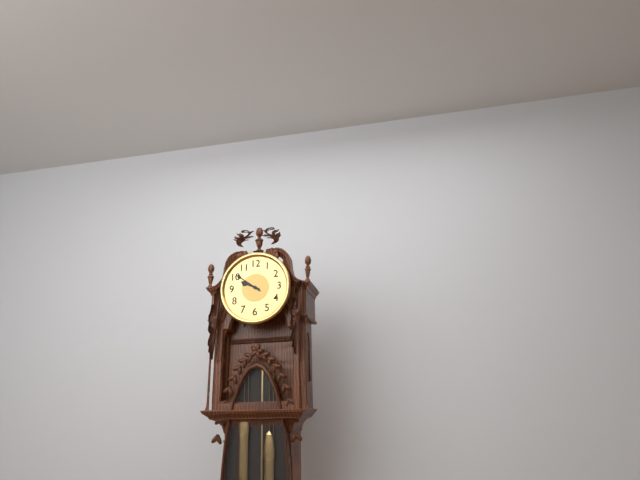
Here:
h=9 m=51
